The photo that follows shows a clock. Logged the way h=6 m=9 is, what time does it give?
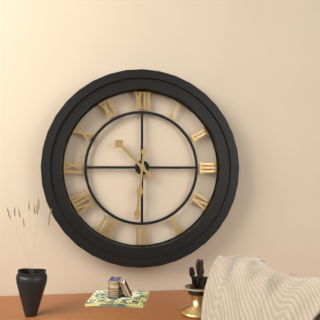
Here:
h=10 m=31
